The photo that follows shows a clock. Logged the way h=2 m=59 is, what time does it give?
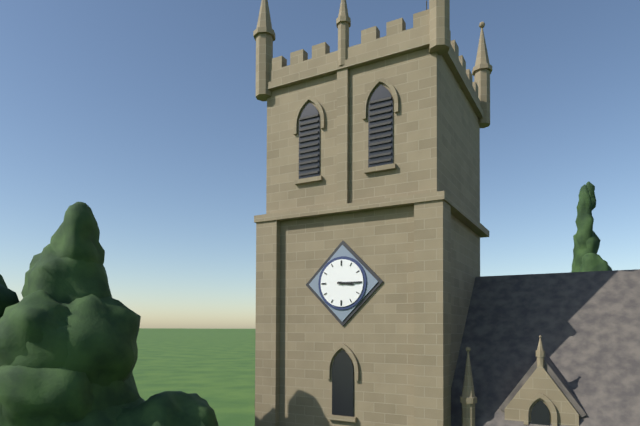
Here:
h=3 m=15
